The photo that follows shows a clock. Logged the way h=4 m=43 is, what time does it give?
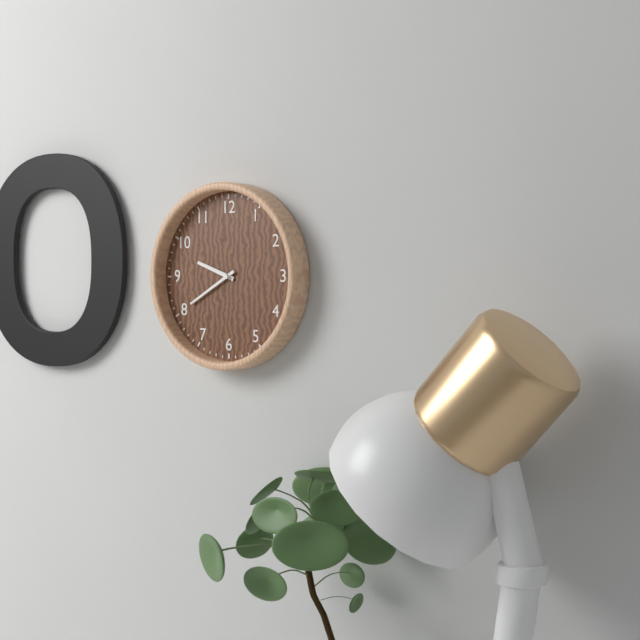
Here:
h=9 m=40
